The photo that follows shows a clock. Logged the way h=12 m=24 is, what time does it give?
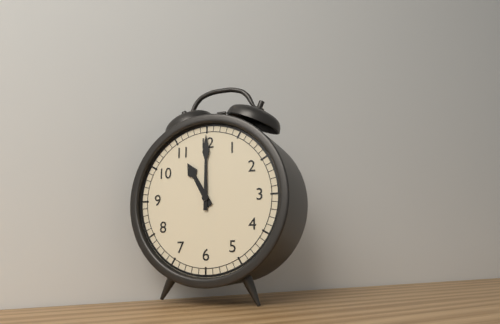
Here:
h=11 m=0
